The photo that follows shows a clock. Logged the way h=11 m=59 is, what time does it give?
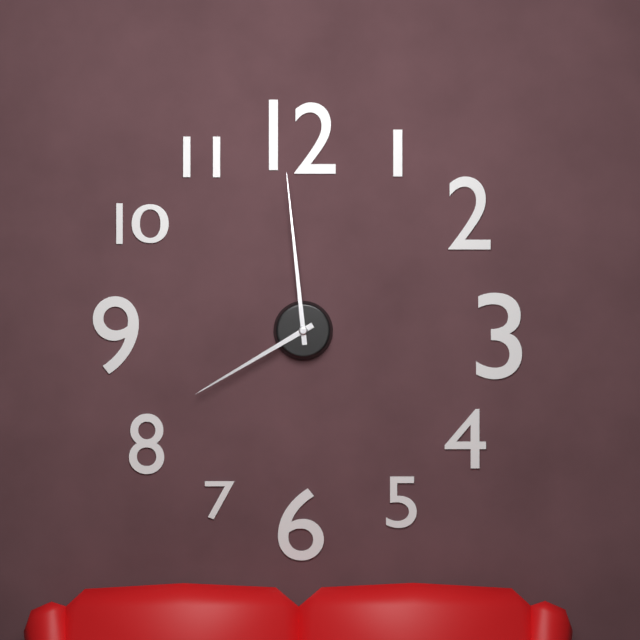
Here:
h=7 m=59
